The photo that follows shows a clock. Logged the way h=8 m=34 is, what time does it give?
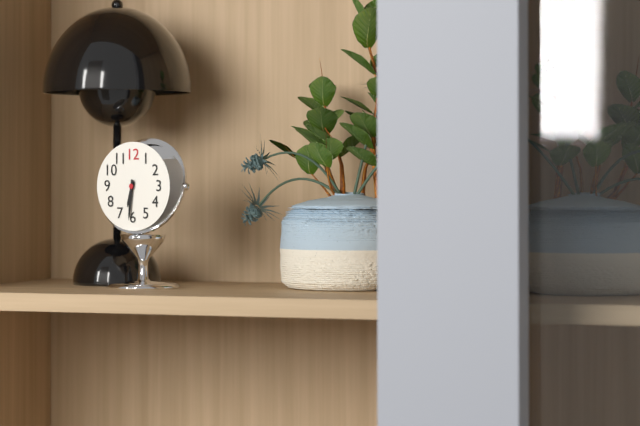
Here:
h=6 m=31
